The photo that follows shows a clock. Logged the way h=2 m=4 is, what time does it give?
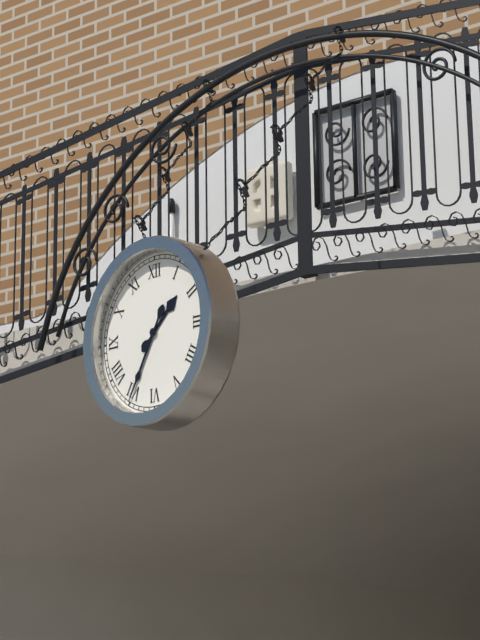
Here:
h=1 m=35
